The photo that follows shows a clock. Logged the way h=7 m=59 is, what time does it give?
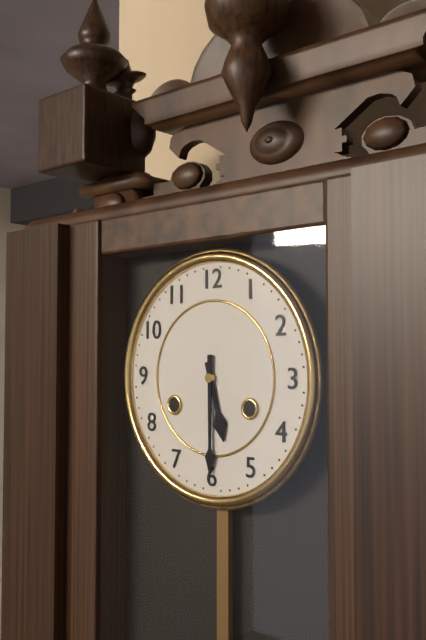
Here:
h=5 m=30
